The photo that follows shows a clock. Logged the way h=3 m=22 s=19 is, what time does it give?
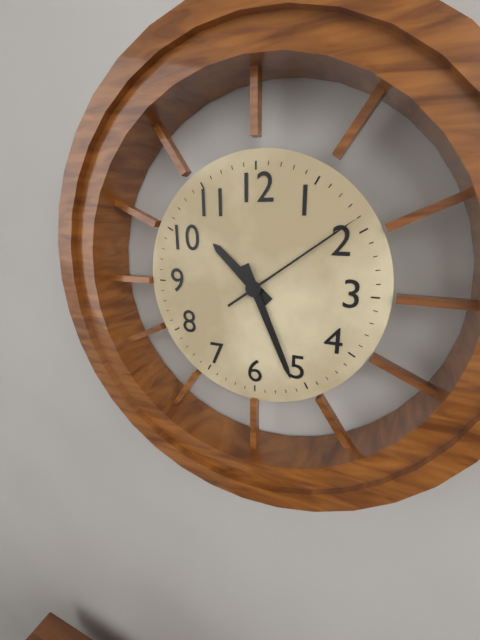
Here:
h=10 m=26 s=9
